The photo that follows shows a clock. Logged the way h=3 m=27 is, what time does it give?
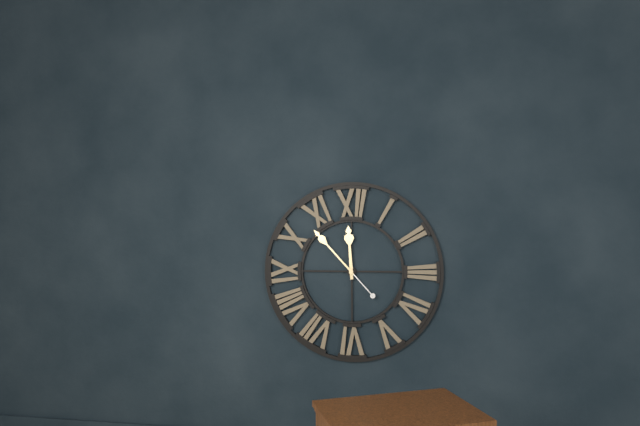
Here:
h=11 m=53
